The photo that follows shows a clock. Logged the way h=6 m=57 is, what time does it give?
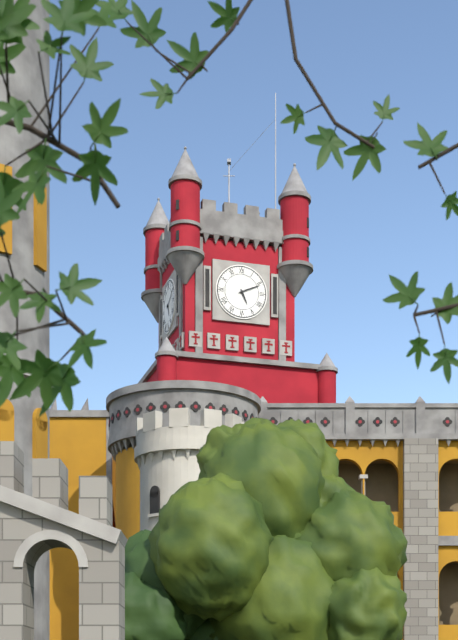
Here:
h=5 m=11
